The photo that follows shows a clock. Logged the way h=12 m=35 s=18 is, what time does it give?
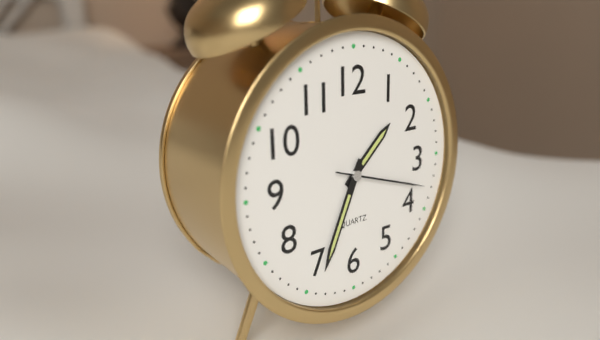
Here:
h=1 m=34 s=18
